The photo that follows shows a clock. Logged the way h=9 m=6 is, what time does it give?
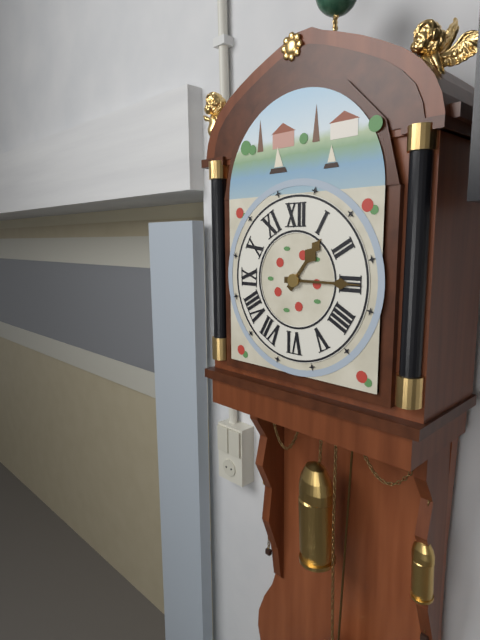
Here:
h=1 m=15
